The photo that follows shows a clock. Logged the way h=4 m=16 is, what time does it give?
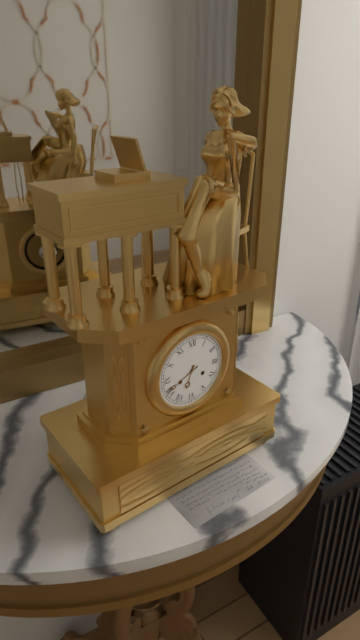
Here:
h=6 m=41
